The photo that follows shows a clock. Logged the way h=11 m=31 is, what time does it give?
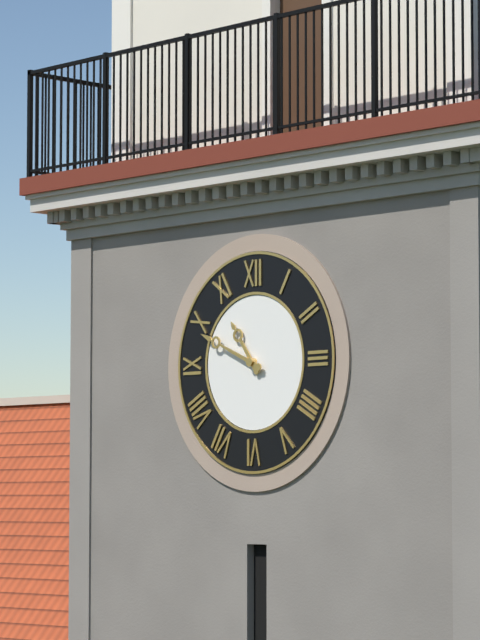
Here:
h=10 m=49
